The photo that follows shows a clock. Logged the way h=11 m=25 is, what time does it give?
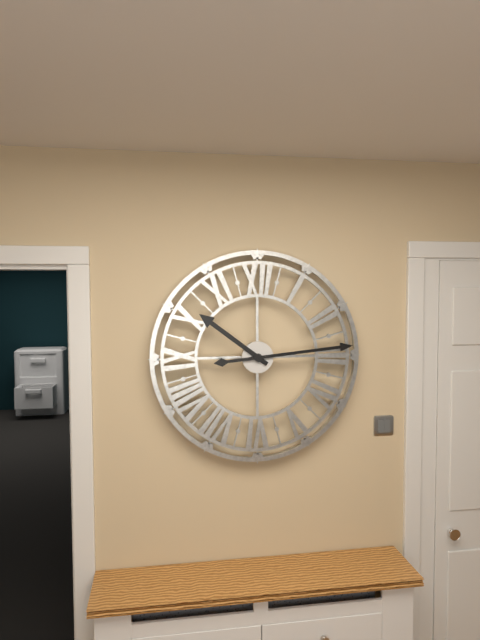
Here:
h=10 m=14
